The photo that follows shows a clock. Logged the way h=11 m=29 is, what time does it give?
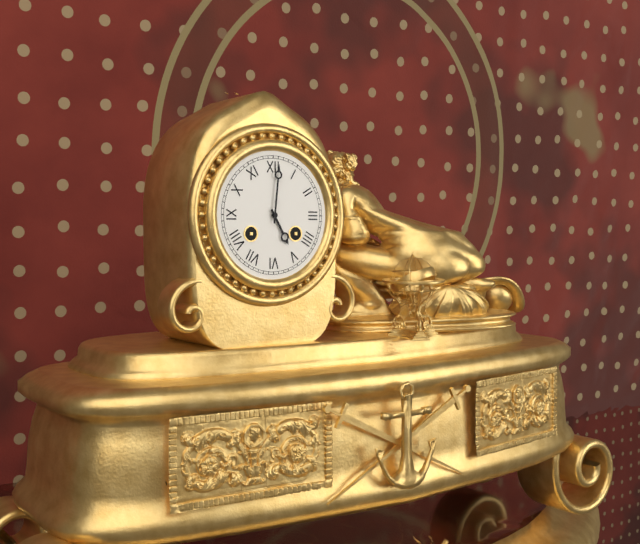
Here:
h=5 m=1
